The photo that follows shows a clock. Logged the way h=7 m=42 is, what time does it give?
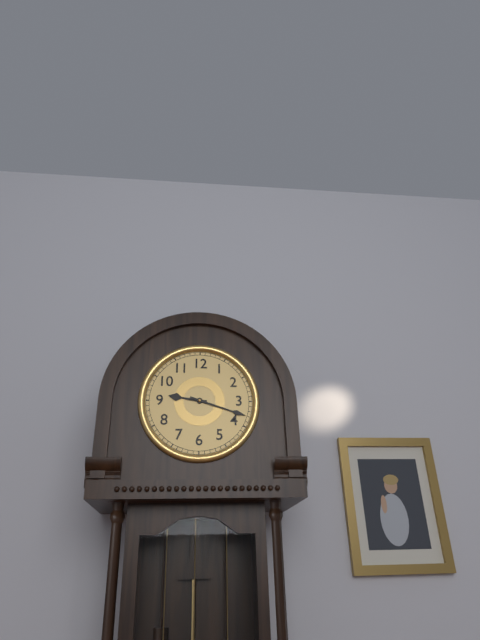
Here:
h=9 m=18
